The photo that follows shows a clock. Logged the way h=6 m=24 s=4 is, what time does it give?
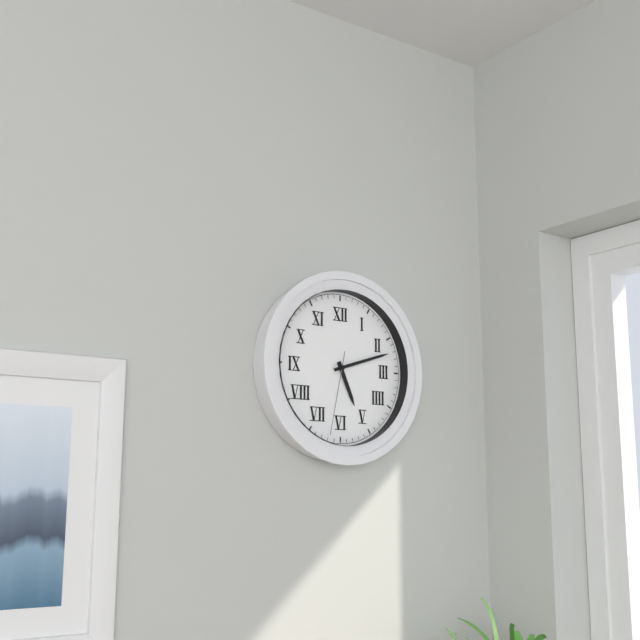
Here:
h=5 m=12 s=32
